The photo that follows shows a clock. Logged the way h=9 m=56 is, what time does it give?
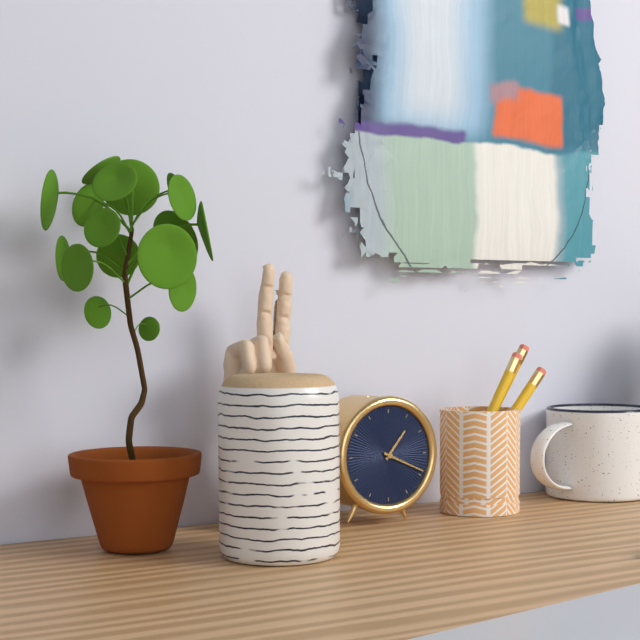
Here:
h=1 m=19
